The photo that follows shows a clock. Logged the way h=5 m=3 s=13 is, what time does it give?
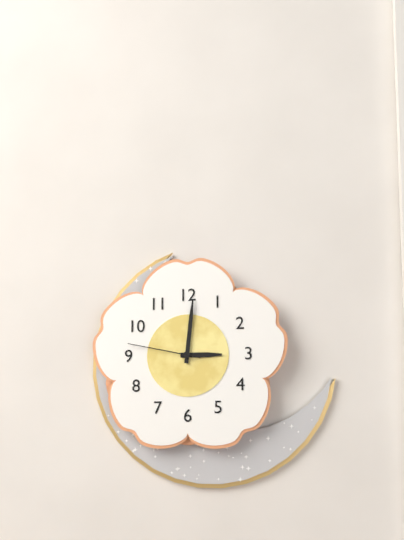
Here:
h=3 m=1 s=47
